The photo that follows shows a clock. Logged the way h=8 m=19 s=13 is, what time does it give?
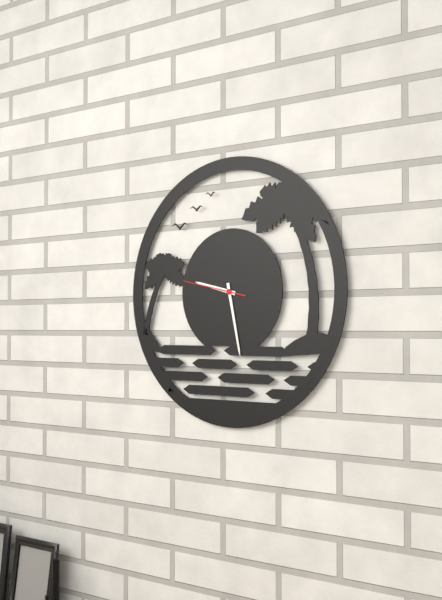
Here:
h=9 m=28 s=47
